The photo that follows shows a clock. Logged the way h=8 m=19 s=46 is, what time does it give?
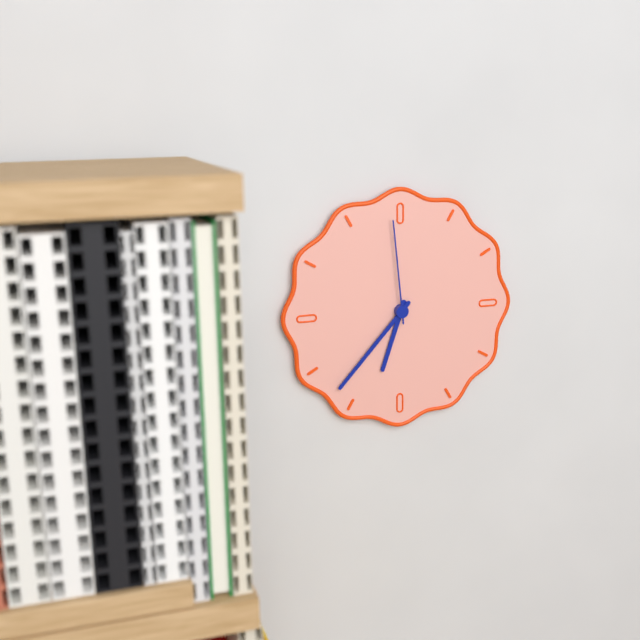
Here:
h=6 m=37 s=59
